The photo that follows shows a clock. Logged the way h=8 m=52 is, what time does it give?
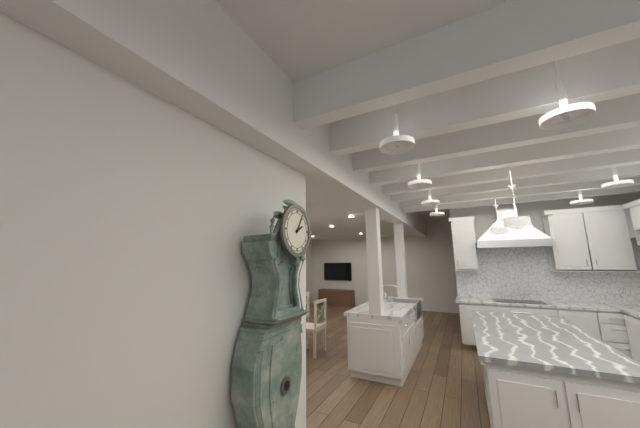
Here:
h=2 m=5
